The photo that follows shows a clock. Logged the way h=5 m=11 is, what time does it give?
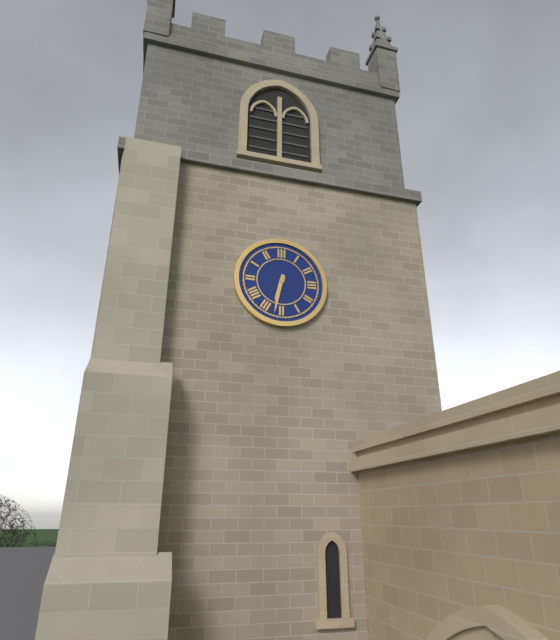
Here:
h=6 m=32
